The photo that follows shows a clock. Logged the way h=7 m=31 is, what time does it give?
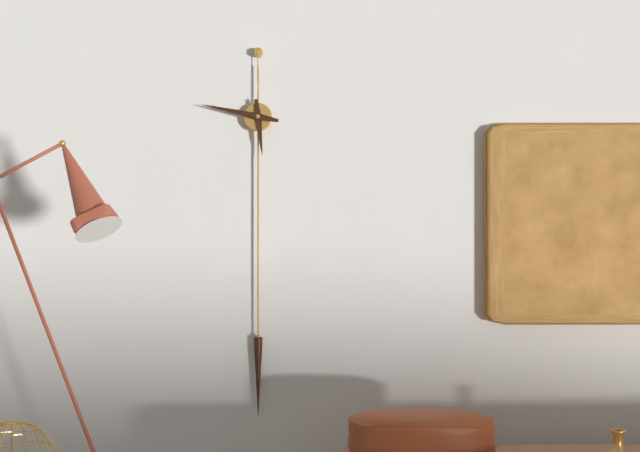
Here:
h=5 m=47
